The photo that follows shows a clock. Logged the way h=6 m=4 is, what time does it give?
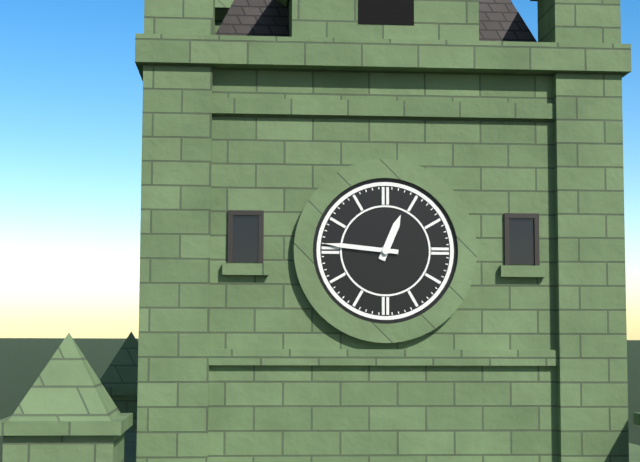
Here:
h=12 m=46
